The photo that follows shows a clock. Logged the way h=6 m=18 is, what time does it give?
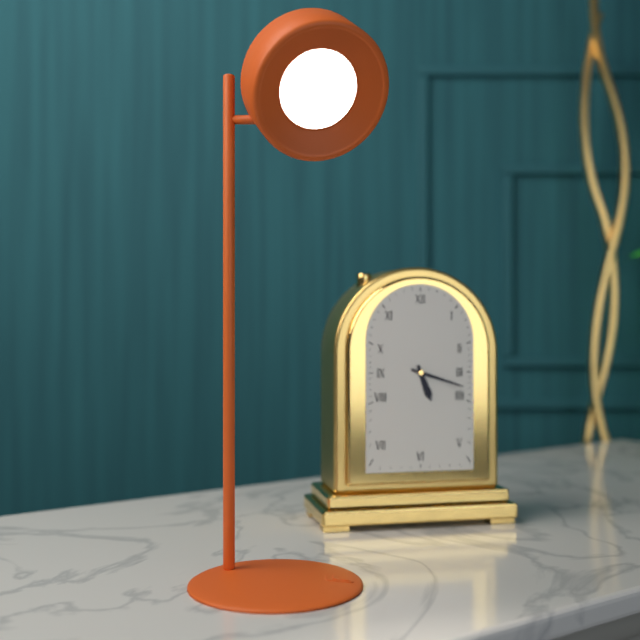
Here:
h=5 m=18
